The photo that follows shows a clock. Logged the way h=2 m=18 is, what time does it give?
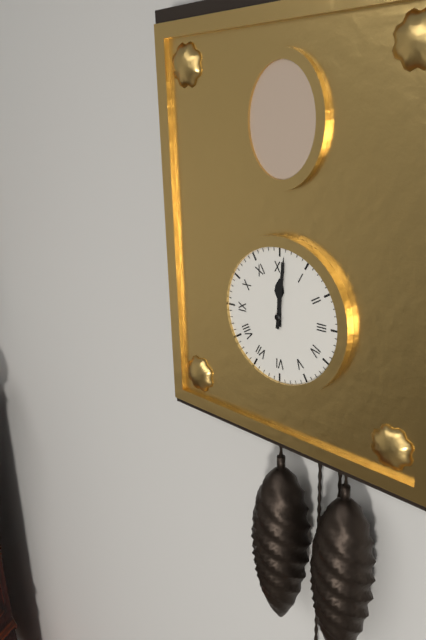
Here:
h=12 m=1
